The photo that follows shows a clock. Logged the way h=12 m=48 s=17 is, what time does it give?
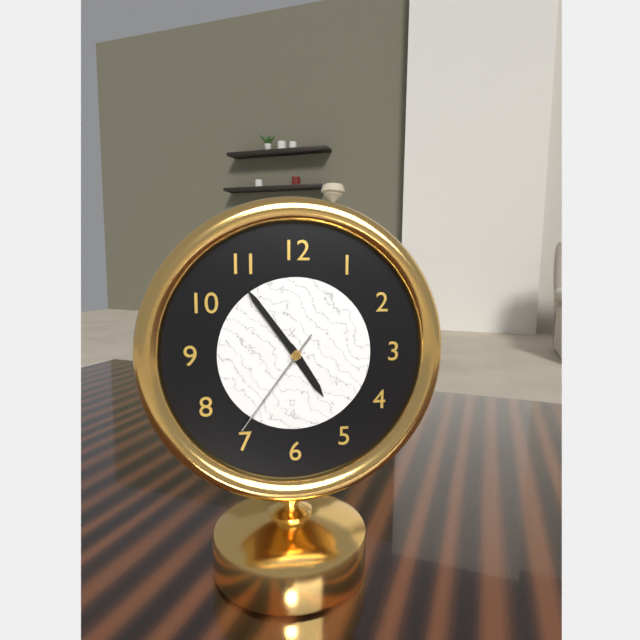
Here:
h=4 m=54 s=36
